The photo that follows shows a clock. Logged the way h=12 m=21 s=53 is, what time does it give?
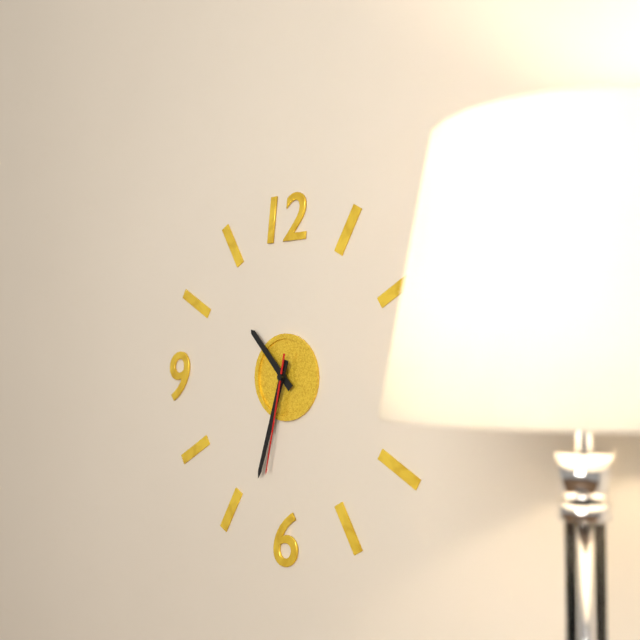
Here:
h=10 m=33 s=32
